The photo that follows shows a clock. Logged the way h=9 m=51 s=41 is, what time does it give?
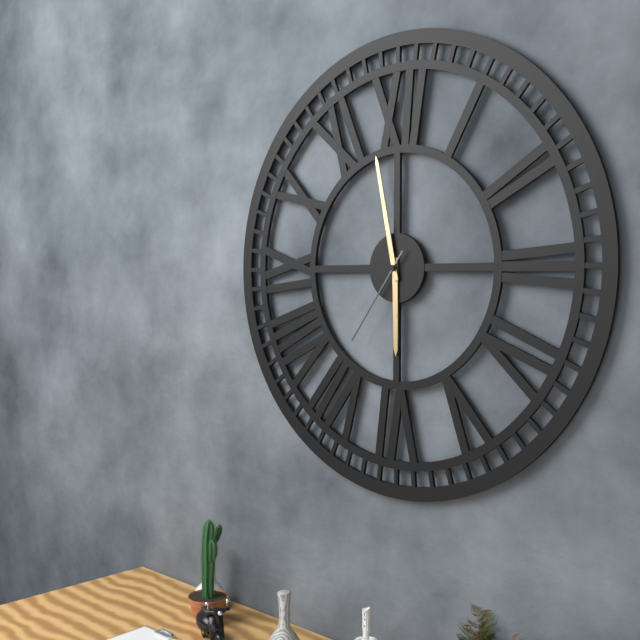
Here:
h=5 m=58 s=36
